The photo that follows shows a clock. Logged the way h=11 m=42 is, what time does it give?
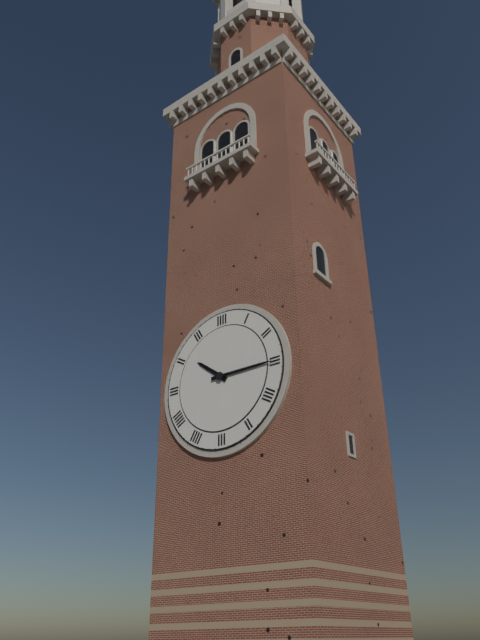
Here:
h=10 m=15
